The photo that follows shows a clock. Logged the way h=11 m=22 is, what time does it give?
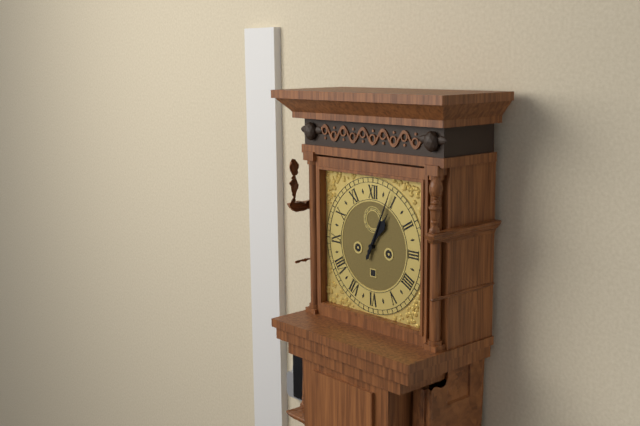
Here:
h=1 m=4
